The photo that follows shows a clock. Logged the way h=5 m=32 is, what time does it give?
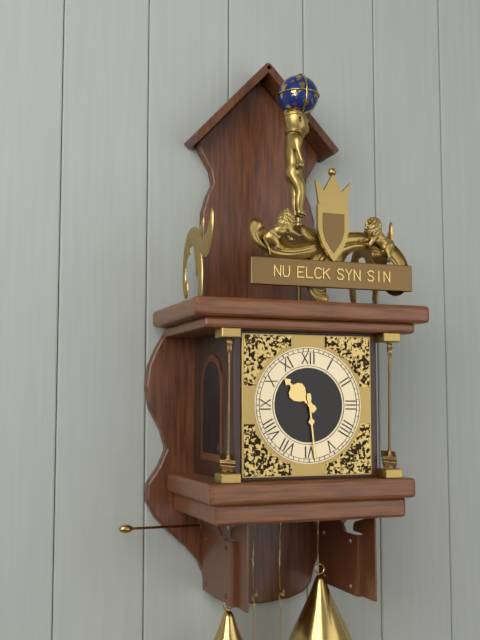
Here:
h=10 m=29
